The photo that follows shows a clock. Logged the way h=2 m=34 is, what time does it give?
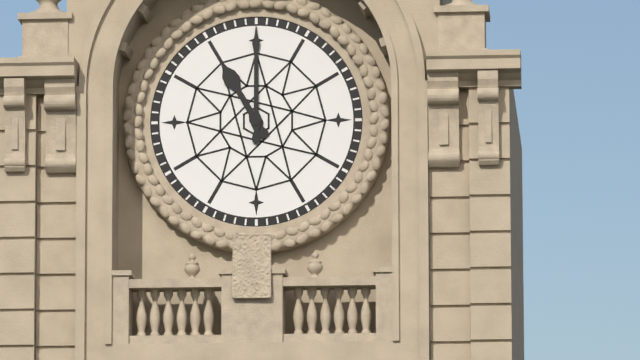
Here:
h=11 m=0
